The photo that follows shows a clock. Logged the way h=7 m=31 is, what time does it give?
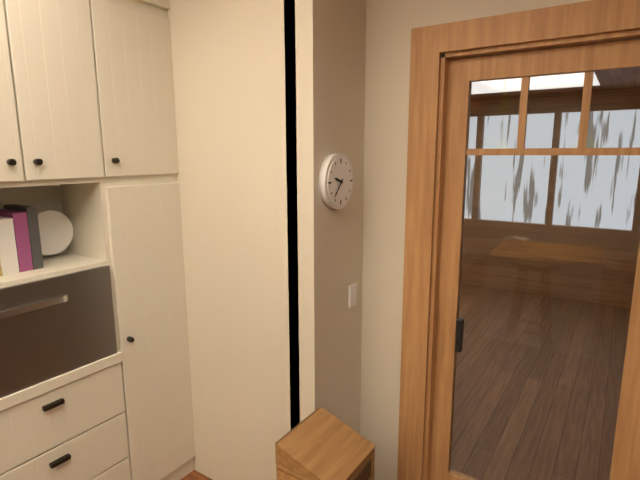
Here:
h=9 m=37
